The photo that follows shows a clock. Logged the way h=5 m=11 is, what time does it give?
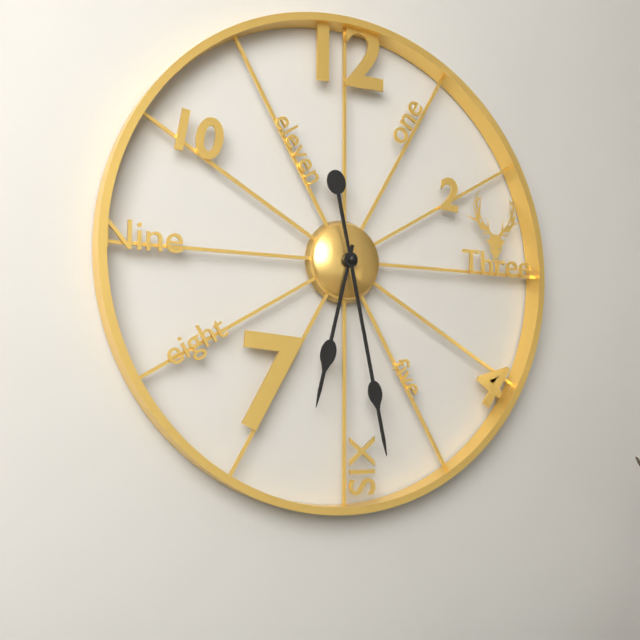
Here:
h=6 m=28
